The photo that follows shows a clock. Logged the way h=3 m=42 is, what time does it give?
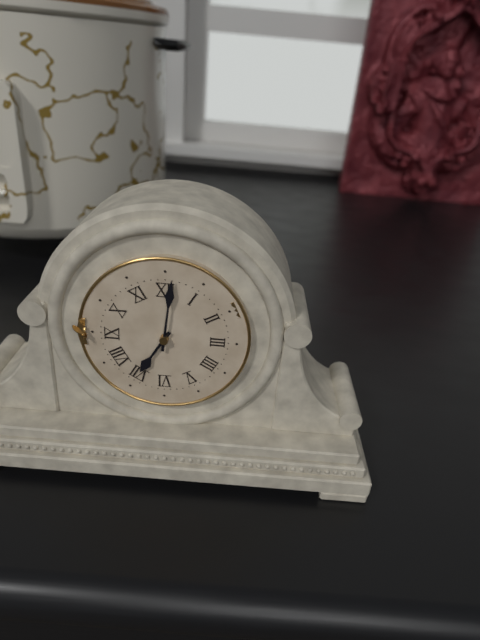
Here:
h=7 m=1
